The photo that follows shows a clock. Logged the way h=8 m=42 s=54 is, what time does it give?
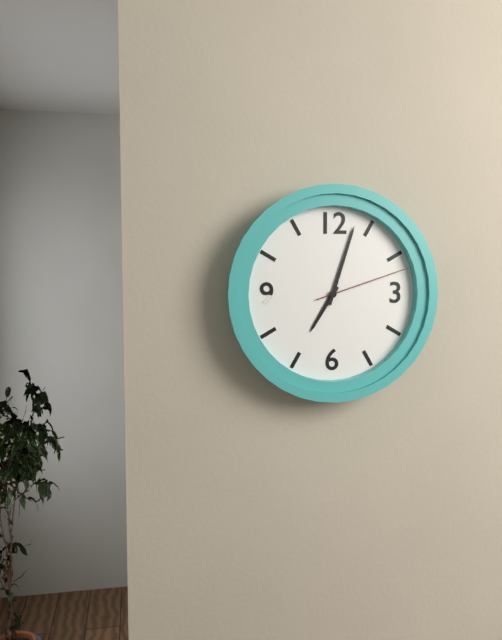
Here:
h=7 m=3 s=12
